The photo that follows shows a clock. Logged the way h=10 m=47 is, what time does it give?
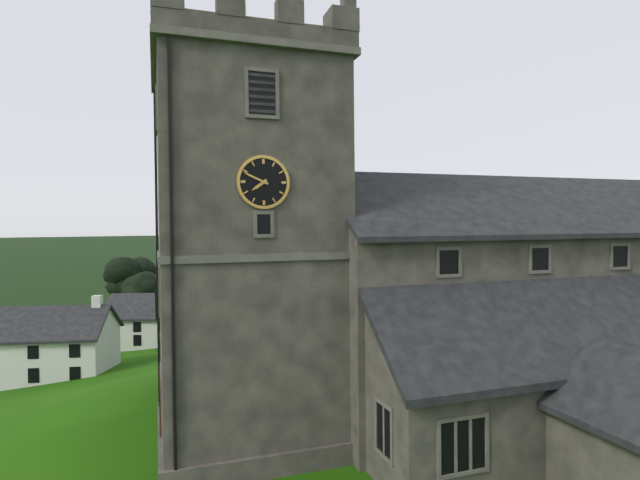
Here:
h=7 m=49
